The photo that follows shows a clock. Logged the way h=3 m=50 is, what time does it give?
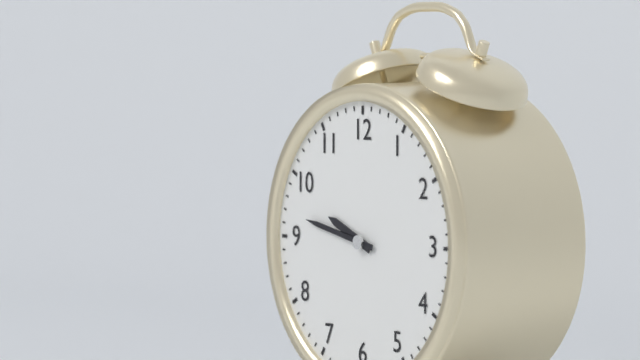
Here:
h=9 m=47
